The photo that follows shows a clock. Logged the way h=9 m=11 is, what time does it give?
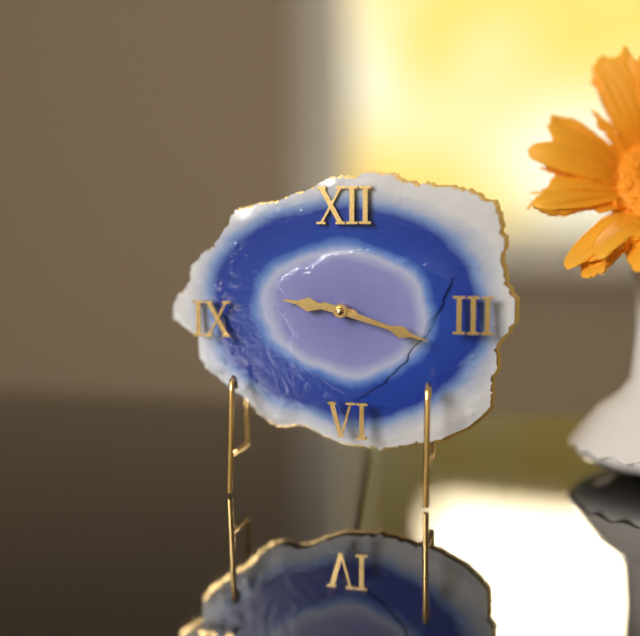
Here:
h=9 m=18
